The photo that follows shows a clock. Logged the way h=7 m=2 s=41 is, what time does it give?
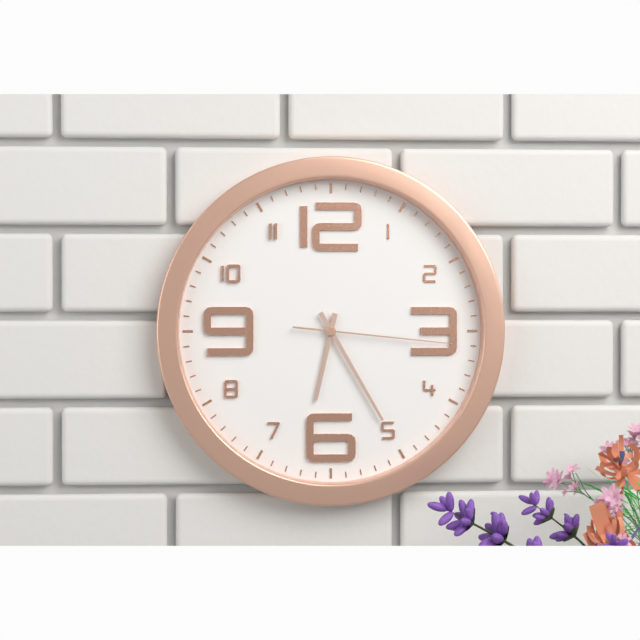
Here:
h=6 m=25 s=16
